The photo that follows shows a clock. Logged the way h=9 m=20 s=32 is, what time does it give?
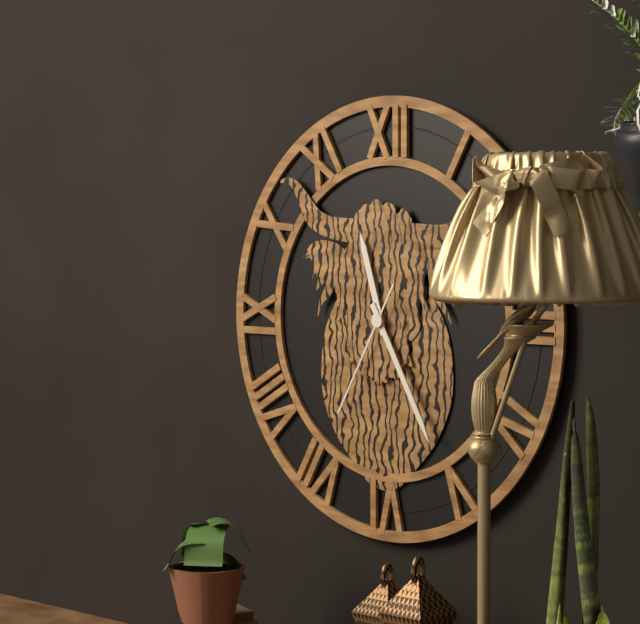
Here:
h=11 m=25 s=35
